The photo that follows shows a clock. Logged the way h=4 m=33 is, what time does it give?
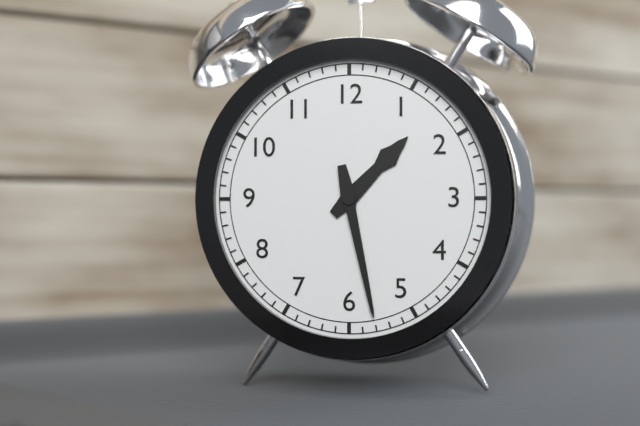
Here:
h=1 m=28
